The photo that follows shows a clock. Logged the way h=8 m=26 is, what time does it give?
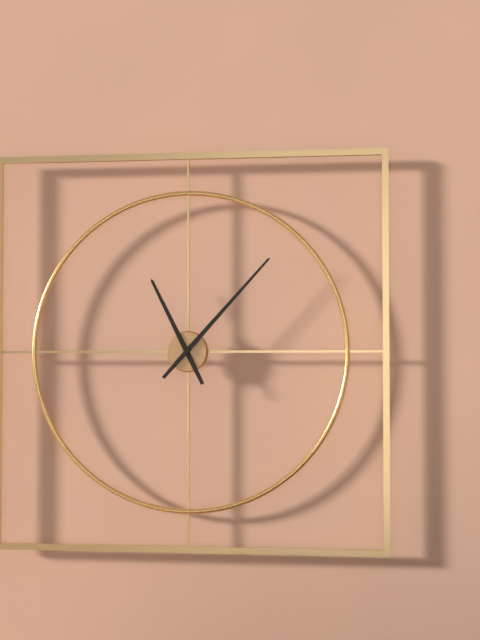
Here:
h=11 m=7
